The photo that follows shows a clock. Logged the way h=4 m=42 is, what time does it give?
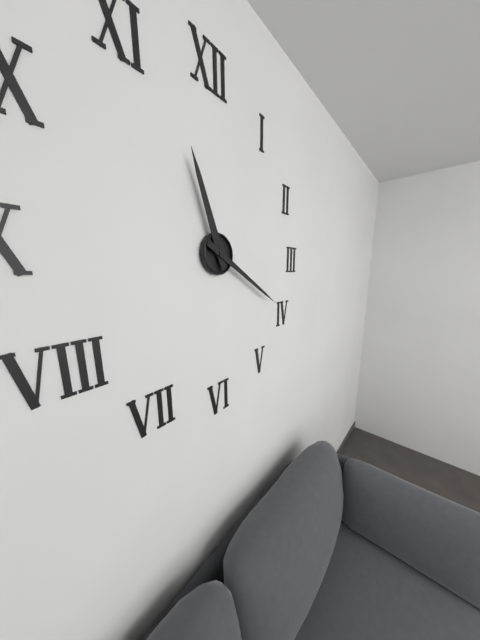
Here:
h=11 m=20
